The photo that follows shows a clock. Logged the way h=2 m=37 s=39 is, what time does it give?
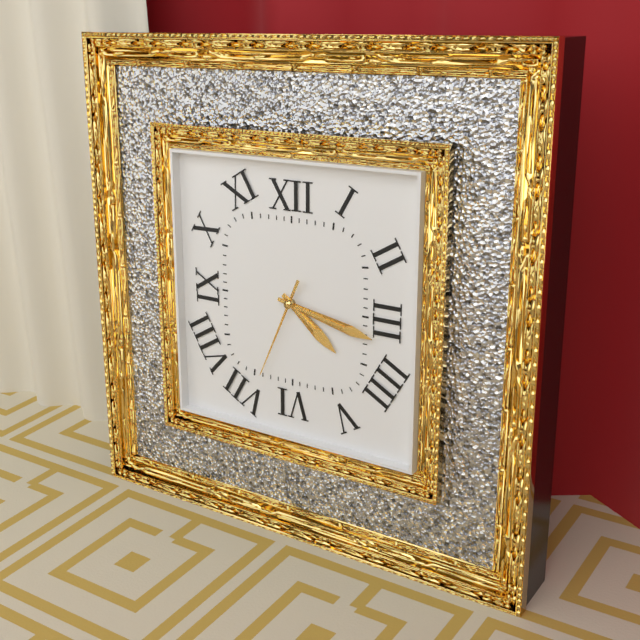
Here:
h=4 m=17 s=34
